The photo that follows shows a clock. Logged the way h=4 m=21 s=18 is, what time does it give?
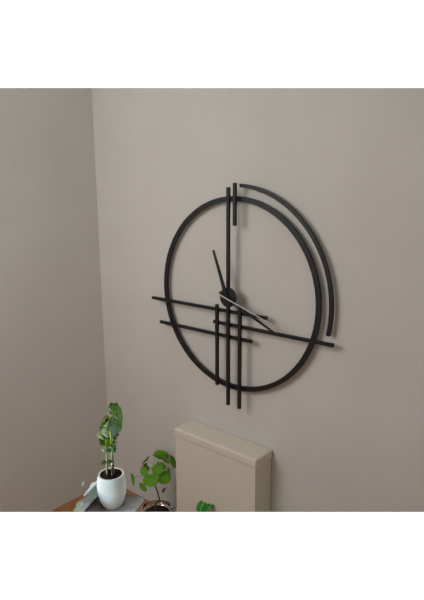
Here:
h=11 m=19 s=18
